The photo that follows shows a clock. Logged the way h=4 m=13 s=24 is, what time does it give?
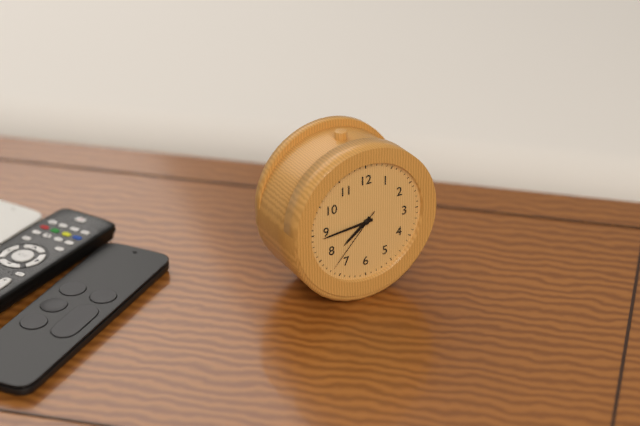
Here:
h=7 m=44 s=37
